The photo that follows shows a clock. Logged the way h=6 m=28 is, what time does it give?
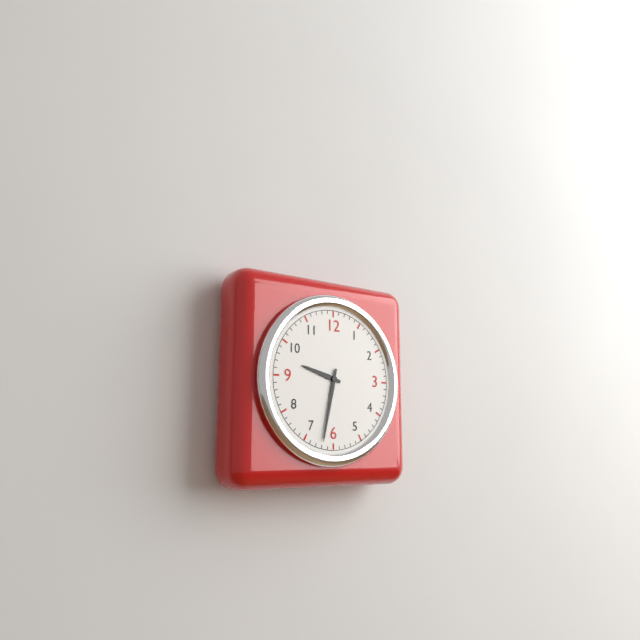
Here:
h=9 m=32
